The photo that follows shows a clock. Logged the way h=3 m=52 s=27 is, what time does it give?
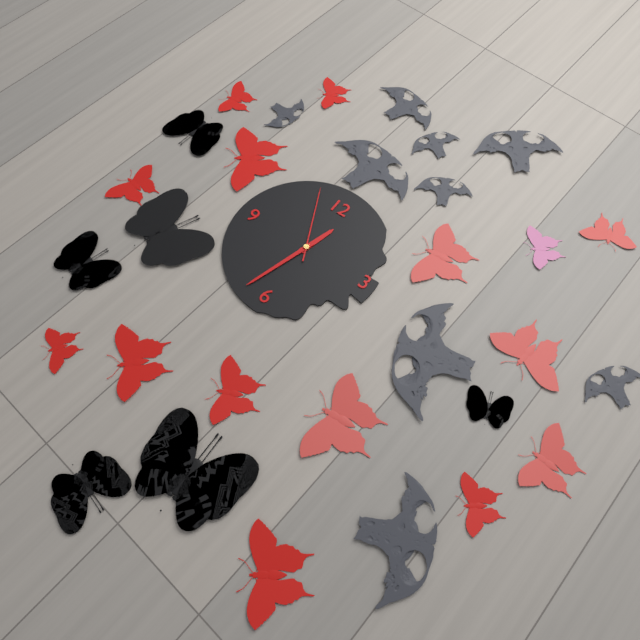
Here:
h=12 m=33 s=56
